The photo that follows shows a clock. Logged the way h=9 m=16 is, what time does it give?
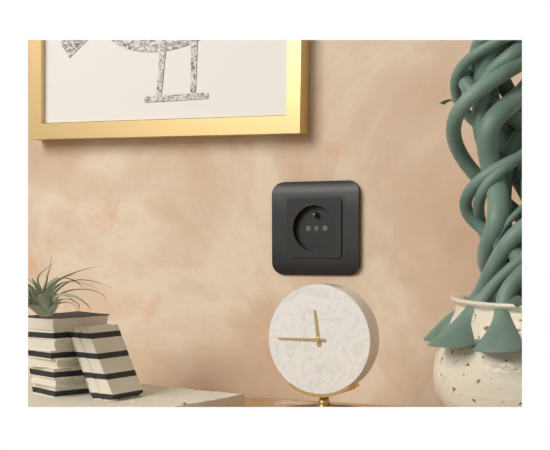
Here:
h=11 m=45
